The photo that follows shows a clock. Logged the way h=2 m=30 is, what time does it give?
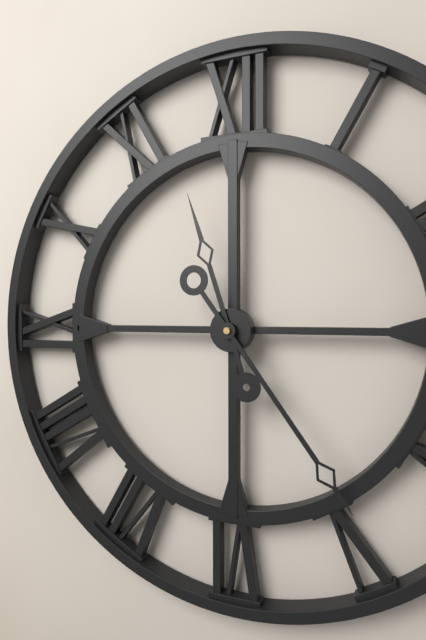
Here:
h=11 m=24
